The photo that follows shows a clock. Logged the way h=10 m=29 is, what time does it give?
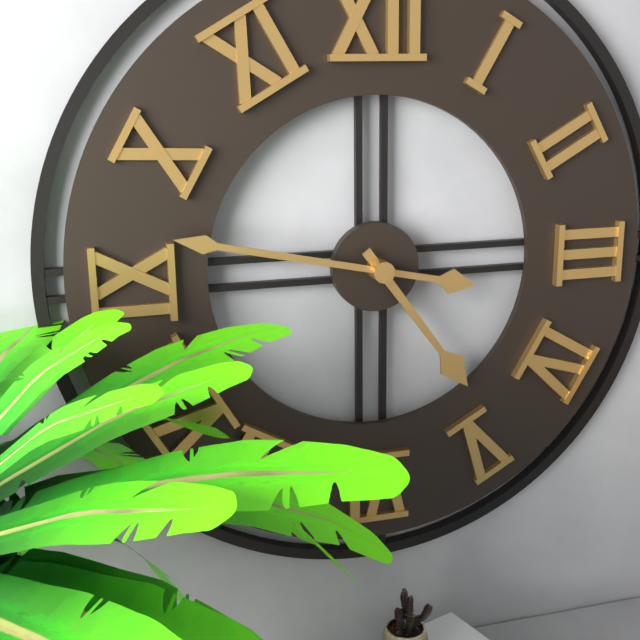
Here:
h=4 m=47
